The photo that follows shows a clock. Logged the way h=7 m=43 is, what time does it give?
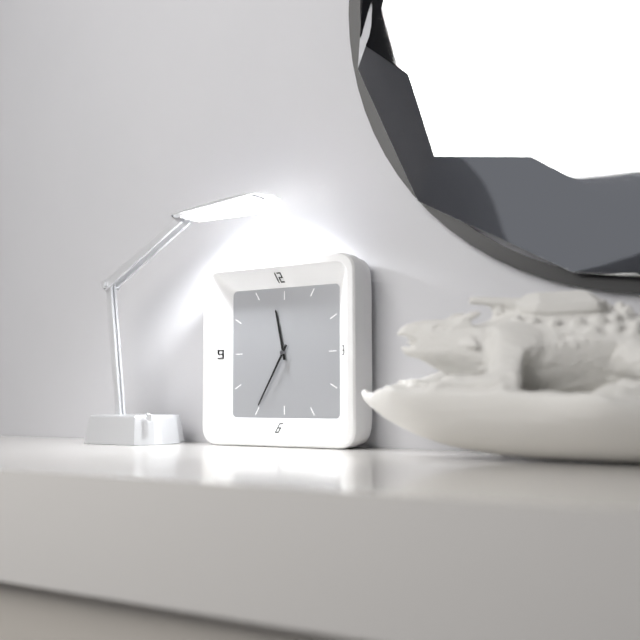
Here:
h=11 m=35
